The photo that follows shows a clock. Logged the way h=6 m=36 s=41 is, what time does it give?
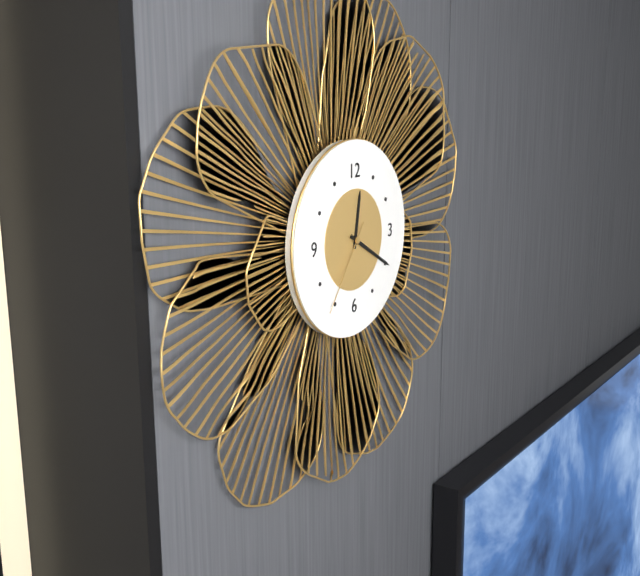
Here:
h=12 m=20 s=36
